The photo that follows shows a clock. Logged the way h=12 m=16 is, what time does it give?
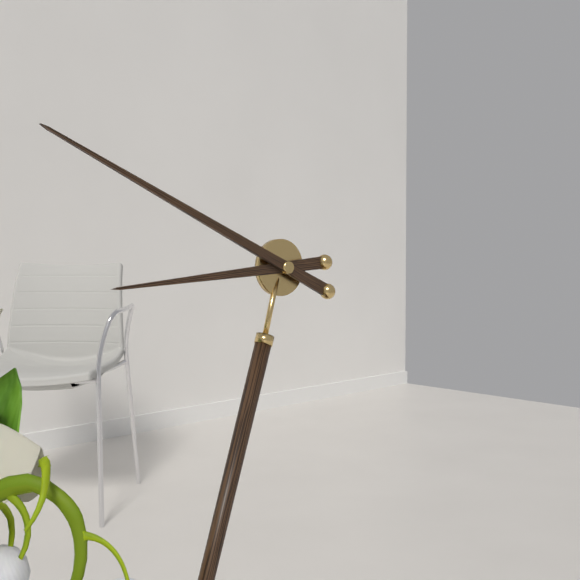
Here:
h=8 m=49
